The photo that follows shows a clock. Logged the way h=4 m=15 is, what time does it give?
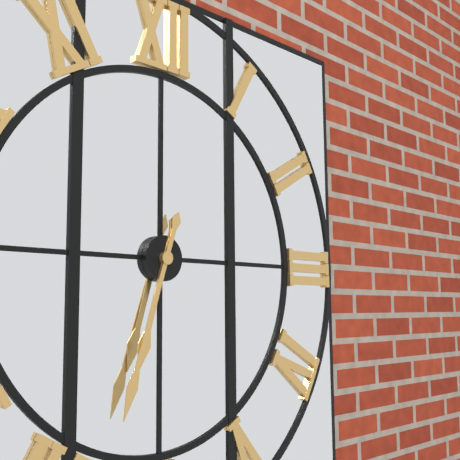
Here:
h=6 m=33
